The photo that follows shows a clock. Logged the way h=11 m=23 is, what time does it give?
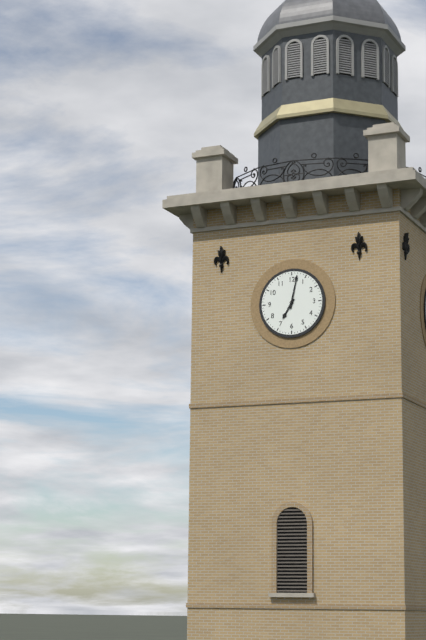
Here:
h=7 m=2
